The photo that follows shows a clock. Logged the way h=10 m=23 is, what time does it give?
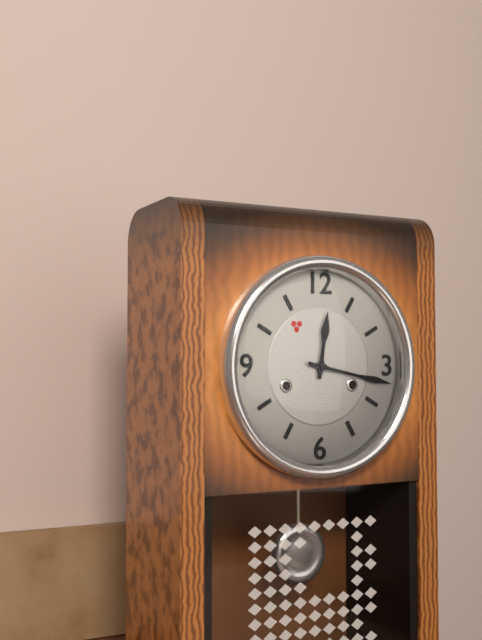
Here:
h=12 m=17
